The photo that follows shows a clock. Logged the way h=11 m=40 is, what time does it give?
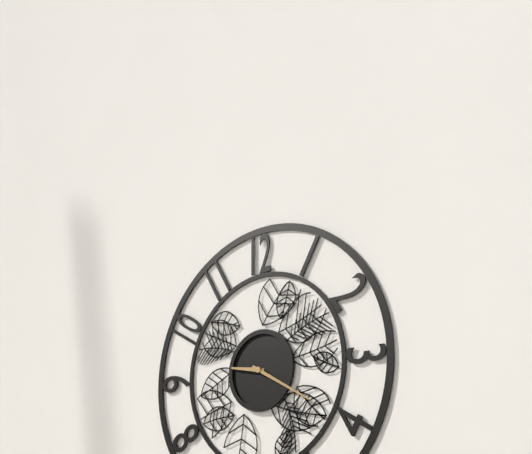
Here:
h=9 m=20
